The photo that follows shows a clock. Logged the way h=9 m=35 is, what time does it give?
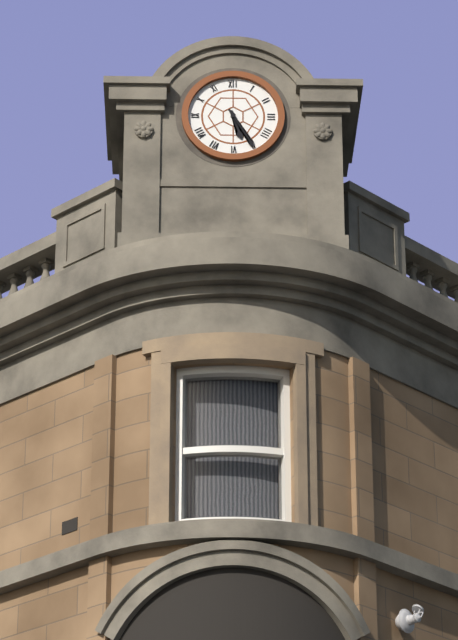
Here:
h=5 m=25
